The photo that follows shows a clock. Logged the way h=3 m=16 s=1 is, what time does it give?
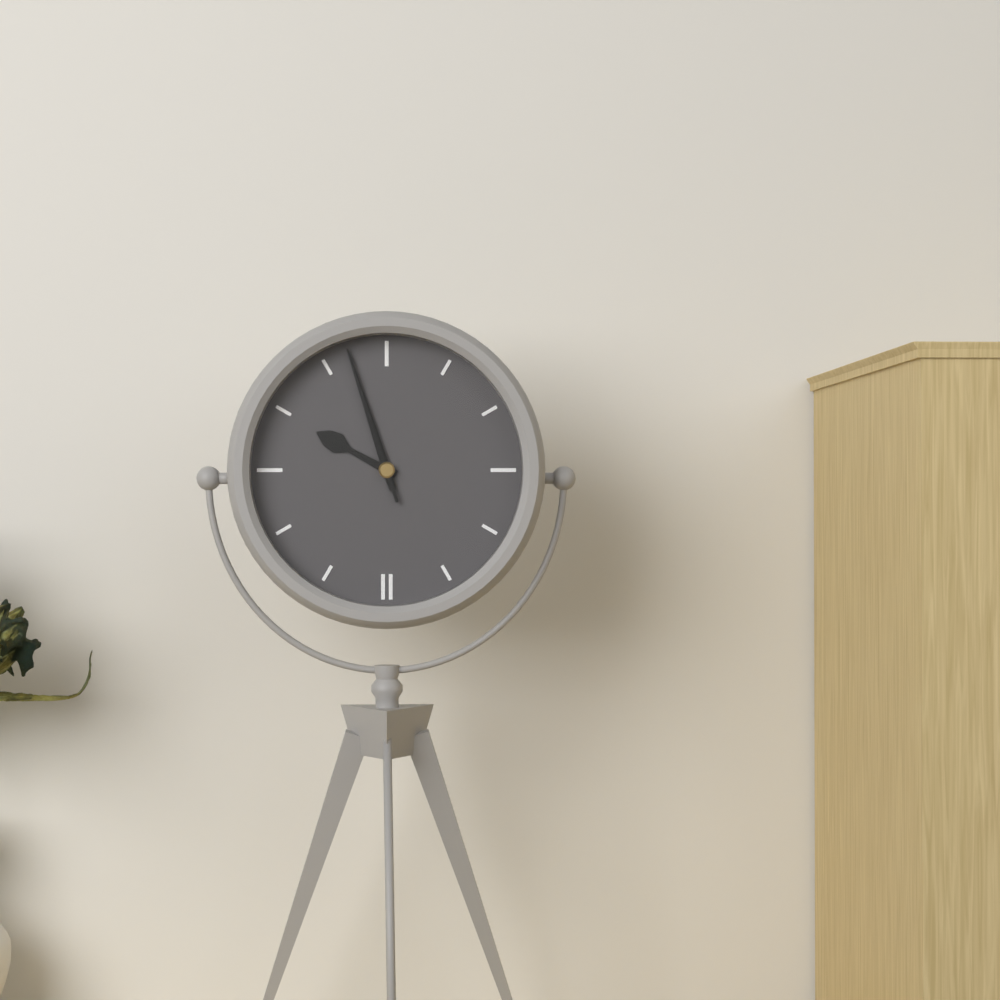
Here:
h=9 m=57 s=57
